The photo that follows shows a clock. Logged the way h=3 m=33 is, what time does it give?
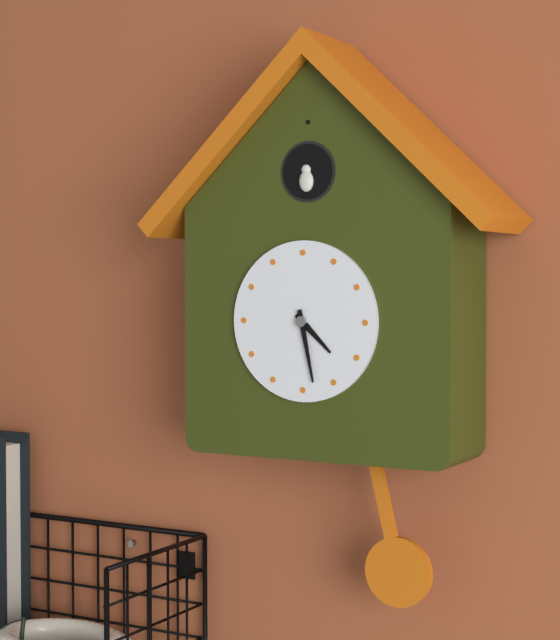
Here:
h=4 m=28
